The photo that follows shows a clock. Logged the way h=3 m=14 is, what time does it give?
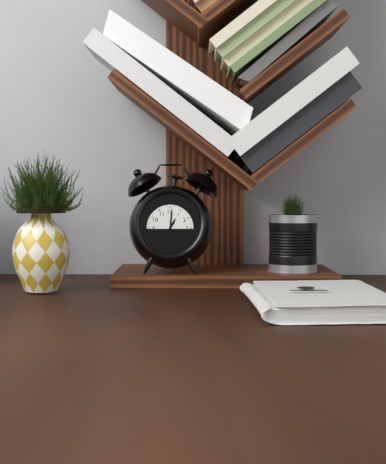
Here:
h=1 m=1
